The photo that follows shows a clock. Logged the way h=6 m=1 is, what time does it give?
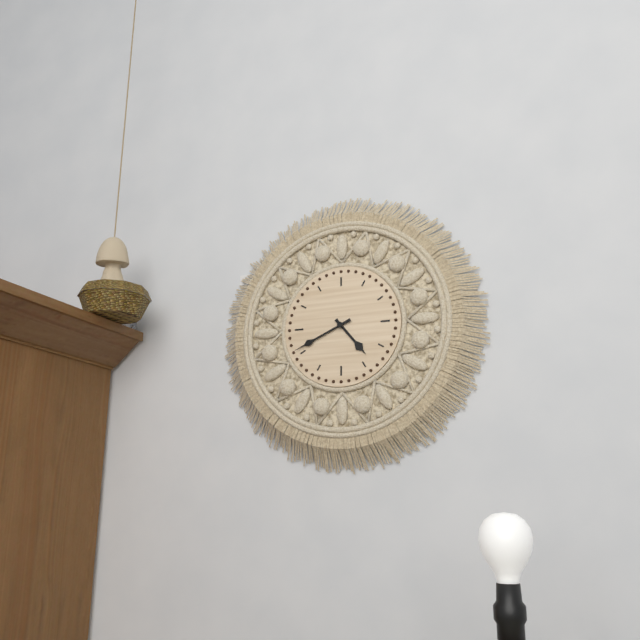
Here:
h=4 m=41
